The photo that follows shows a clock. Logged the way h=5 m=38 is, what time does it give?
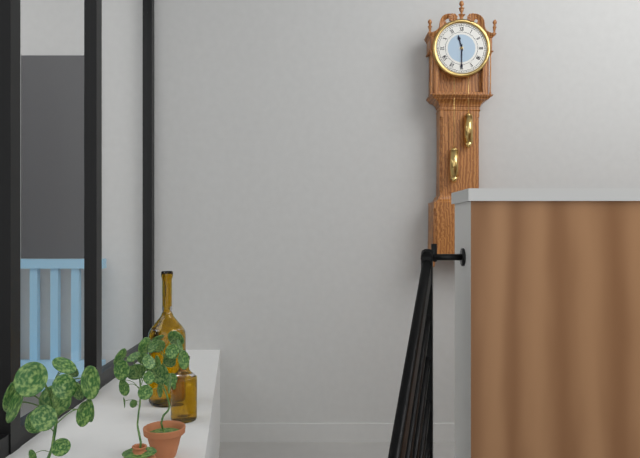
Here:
h=11 m=30
